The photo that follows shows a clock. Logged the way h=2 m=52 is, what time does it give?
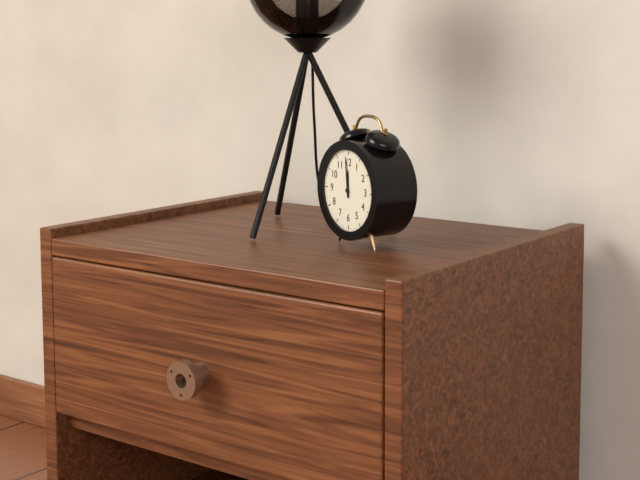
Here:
h=11 m=59
